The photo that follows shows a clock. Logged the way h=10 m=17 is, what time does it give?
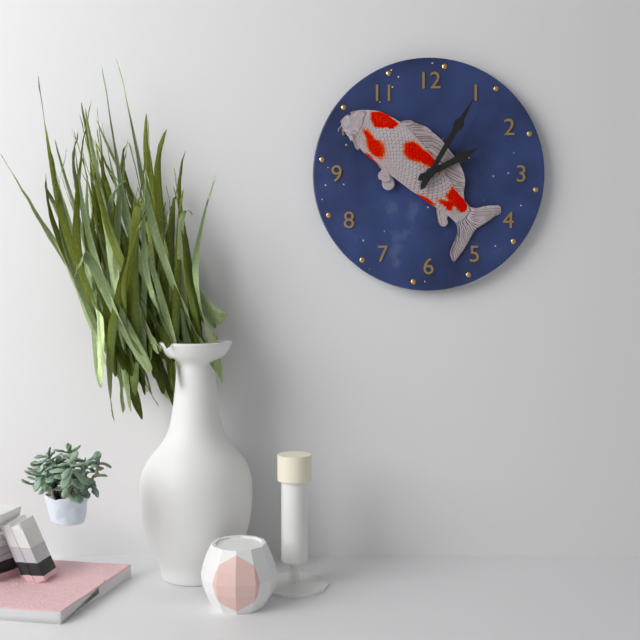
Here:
h=2 m=5
